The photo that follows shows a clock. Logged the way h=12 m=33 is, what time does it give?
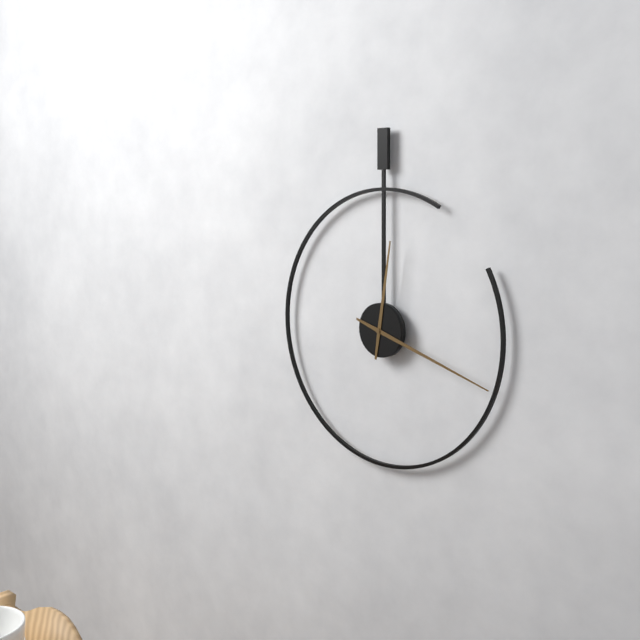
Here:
h=12 m=18
